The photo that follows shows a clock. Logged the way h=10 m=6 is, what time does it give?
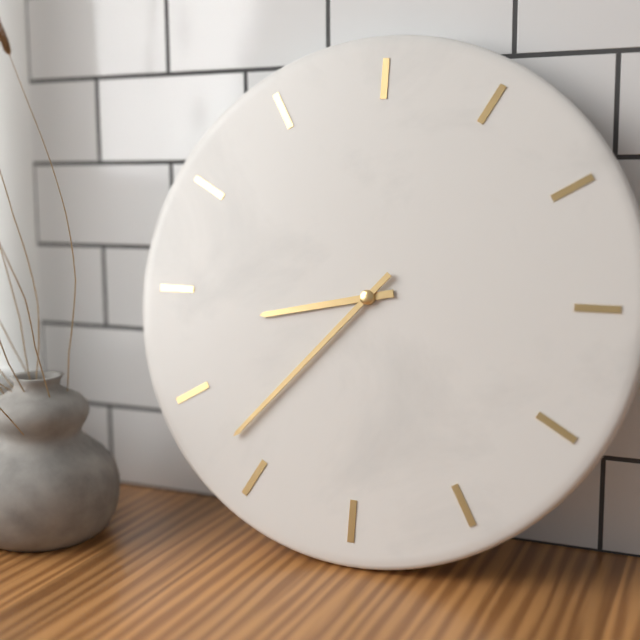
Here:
h=8 m=37
